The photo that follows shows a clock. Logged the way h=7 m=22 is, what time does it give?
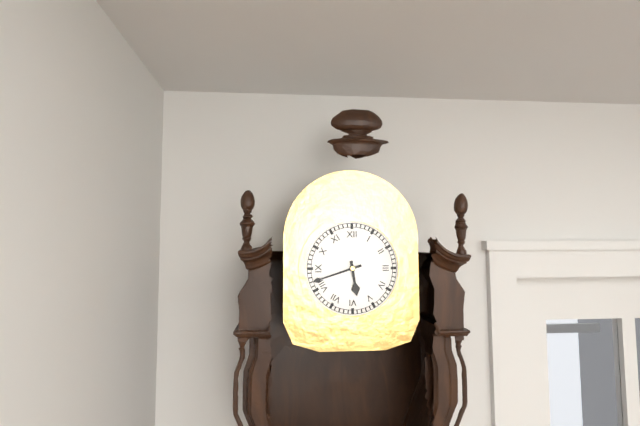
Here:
h=5 m=42
